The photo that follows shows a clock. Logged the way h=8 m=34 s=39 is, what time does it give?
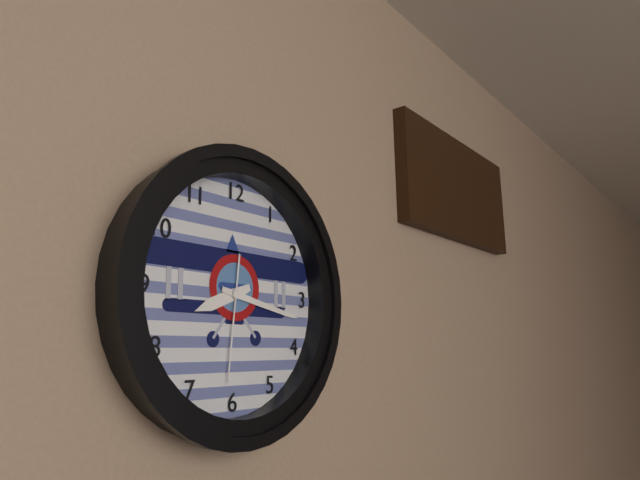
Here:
h=8 m=17 s=31
